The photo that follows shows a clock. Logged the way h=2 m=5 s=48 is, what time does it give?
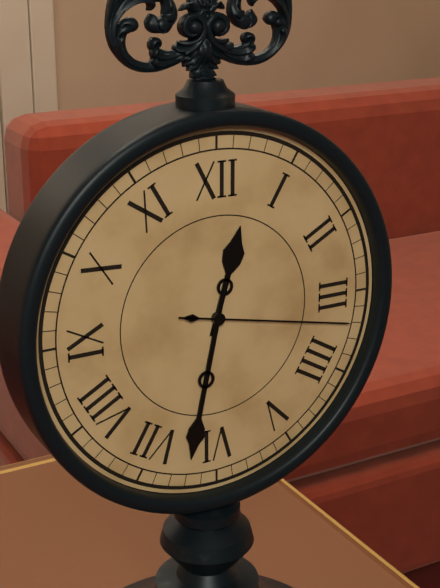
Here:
h=12 m=32 s=17
